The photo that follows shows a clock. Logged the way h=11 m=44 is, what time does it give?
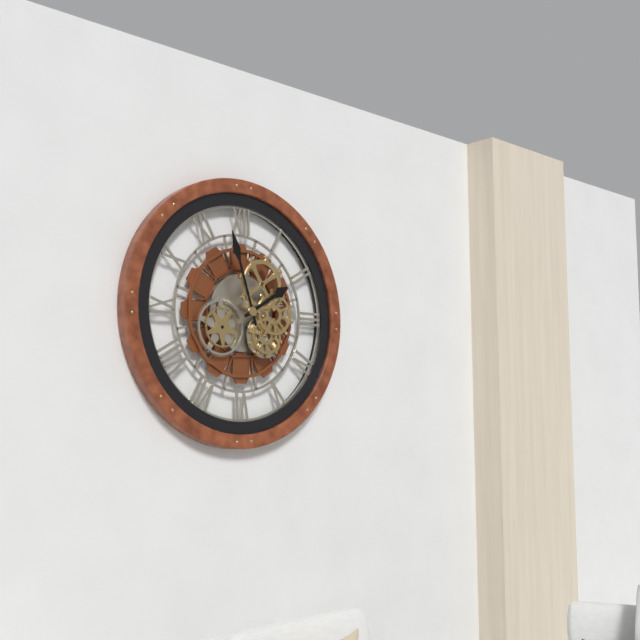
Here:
h=1 m=57
